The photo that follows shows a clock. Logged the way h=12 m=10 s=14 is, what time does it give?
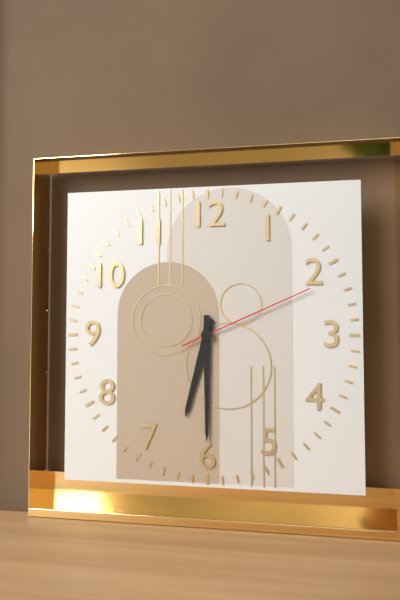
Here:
h=6 m=30 s=11
